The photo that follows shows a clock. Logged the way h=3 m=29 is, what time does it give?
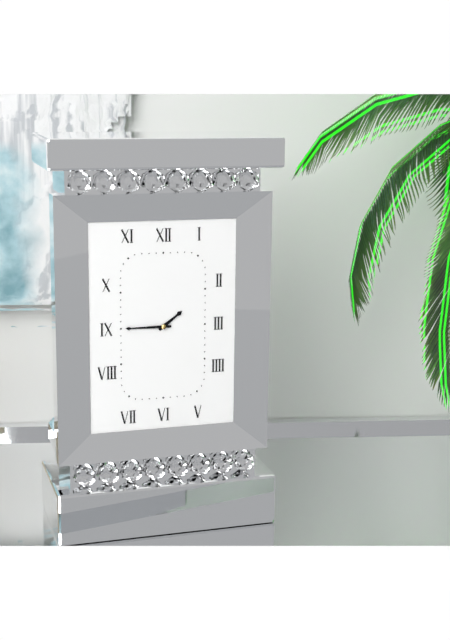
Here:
h=1 m=45
